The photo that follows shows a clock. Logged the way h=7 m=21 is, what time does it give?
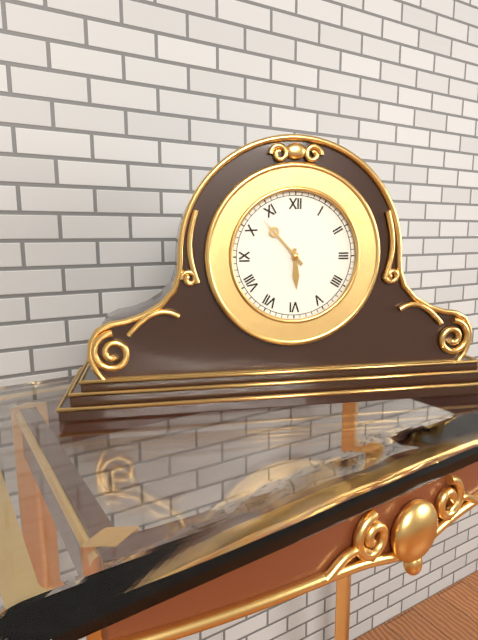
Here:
h=5 m=53
